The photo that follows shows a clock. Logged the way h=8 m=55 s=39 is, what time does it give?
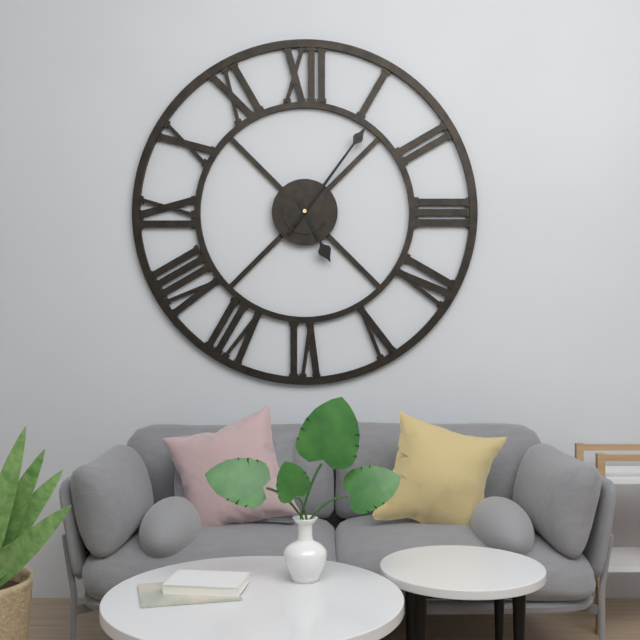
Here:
h=5 m=6 s=6
